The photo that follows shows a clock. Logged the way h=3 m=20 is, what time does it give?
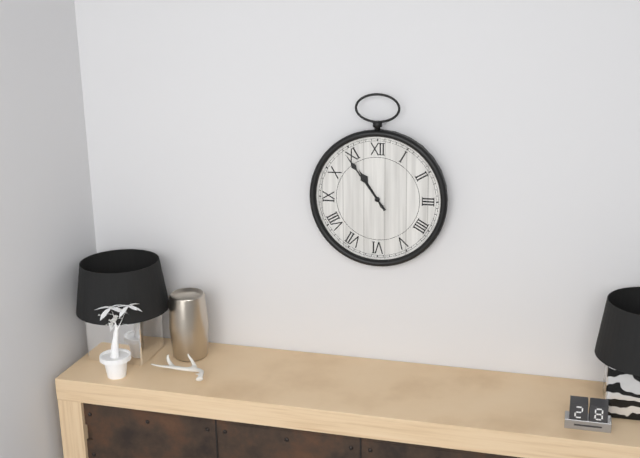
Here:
h=10 m=54
